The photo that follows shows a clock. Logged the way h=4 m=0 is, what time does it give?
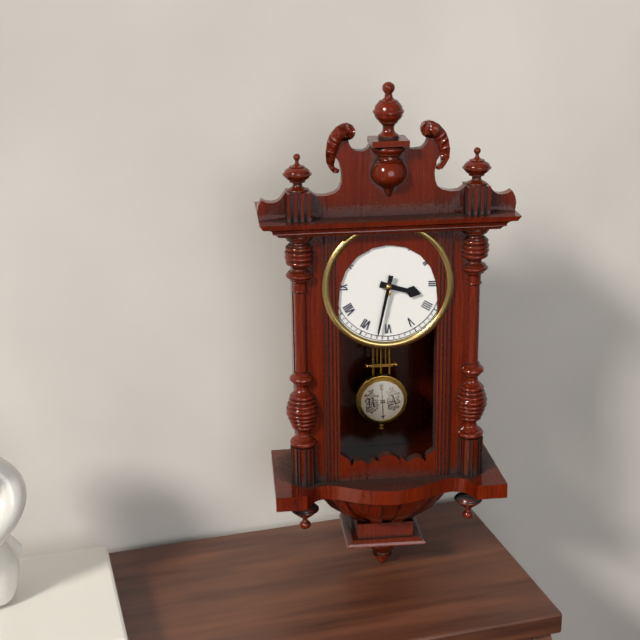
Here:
h=3 m=32
